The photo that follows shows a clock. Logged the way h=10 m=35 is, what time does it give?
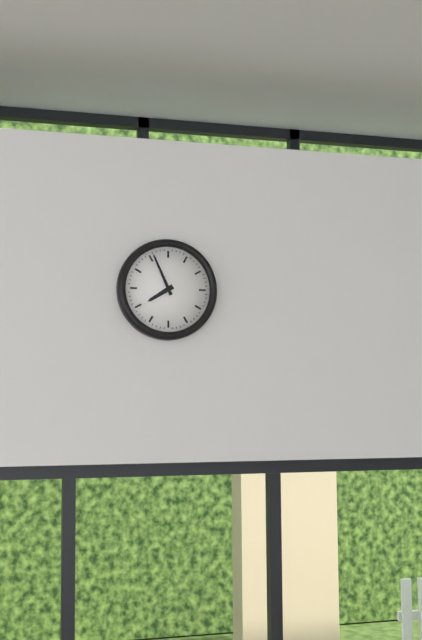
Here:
h=7 m=56
